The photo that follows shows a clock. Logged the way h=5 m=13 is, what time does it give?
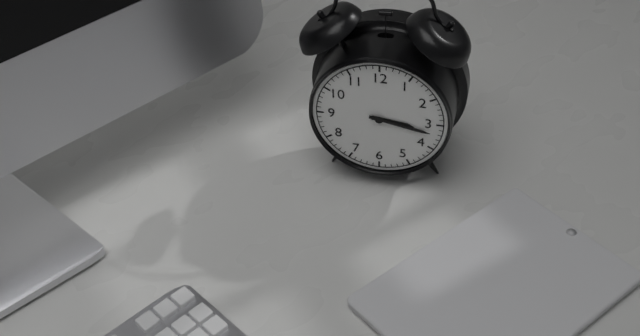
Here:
h=3 m=17
